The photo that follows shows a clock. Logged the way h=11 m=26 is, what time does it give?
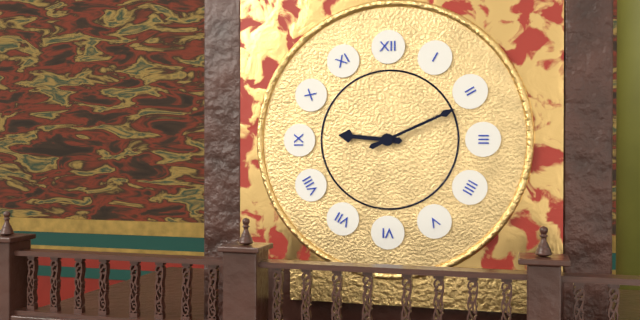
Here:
h=9 m=11
